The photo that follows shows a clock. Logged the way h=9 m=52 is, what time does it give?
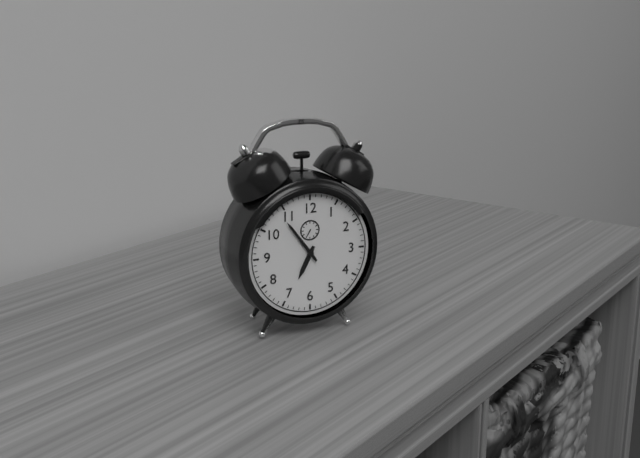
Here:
h=6 m=54
